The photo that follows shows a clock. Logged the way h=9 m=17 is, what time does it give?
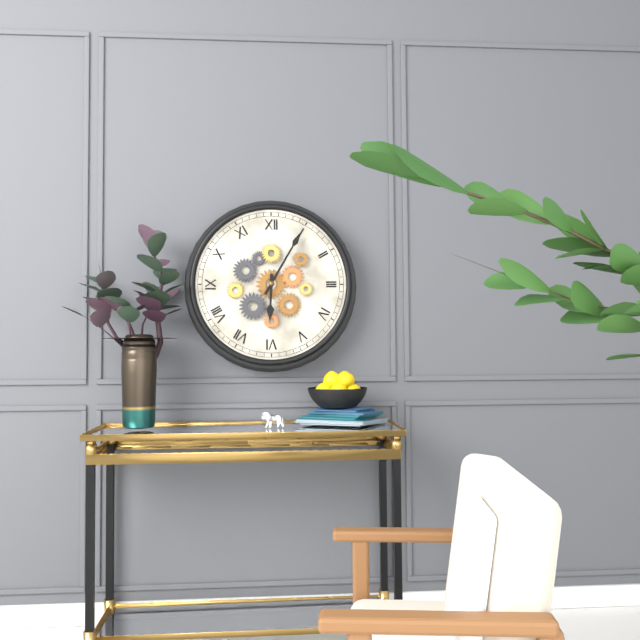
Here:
h=6 m=5
